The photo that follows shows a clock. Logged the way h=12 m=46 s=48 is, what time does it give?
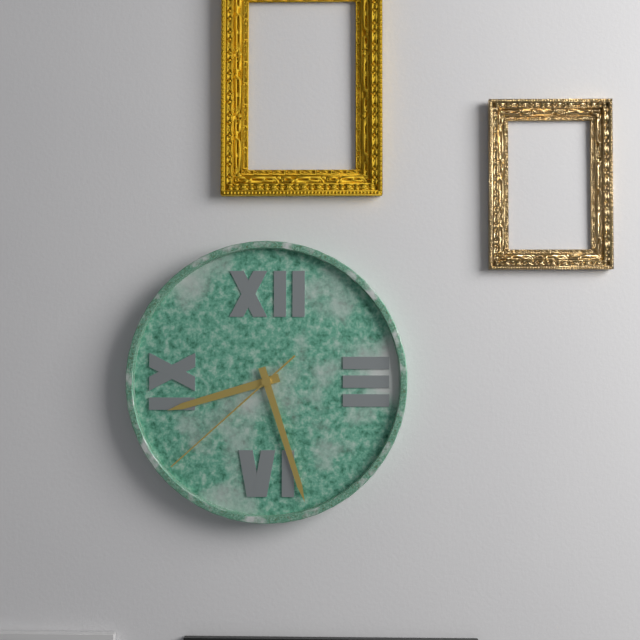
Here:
h=8 m=27 s=38
